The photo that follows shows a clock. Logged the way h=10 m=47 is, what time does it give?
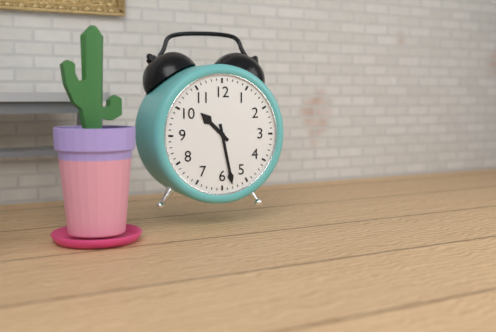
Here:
h=10 m=28
